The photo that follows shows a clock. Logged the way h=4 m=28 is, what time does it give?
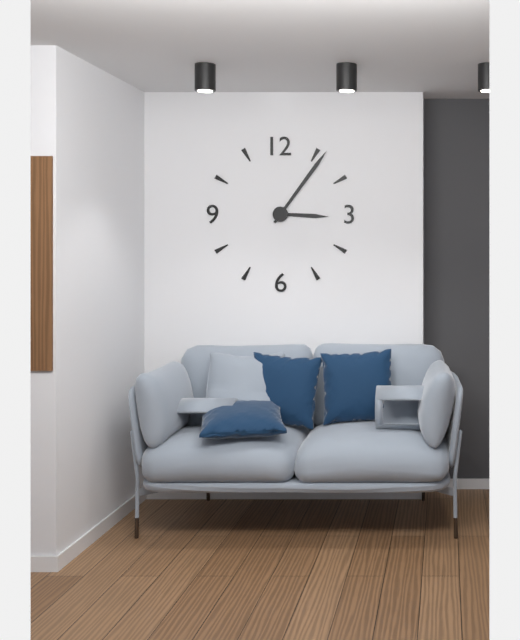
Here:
h=3 m=6
